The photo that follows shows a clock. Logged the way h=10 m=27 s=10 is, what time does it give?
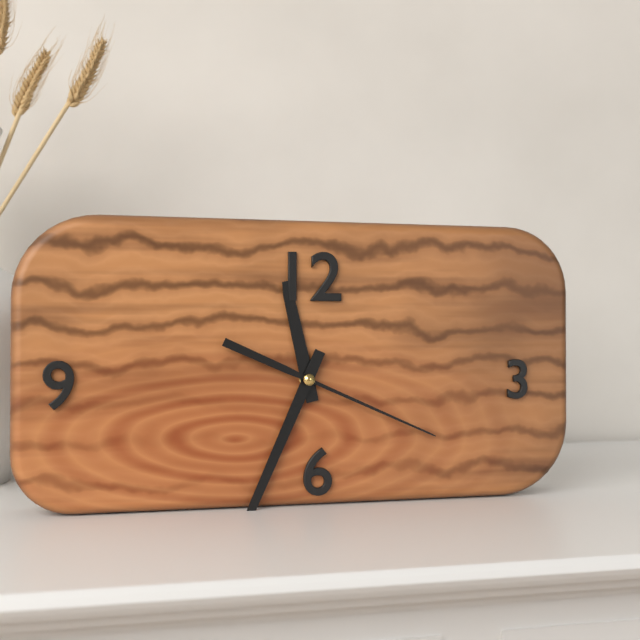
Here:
h=11 m=34 s=19
